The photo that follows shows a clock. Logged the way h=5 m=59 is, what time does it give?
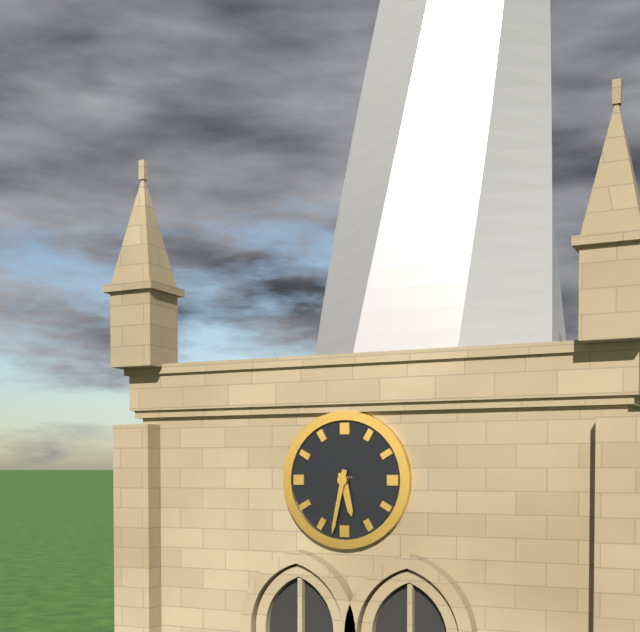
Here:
h=5 m=32
